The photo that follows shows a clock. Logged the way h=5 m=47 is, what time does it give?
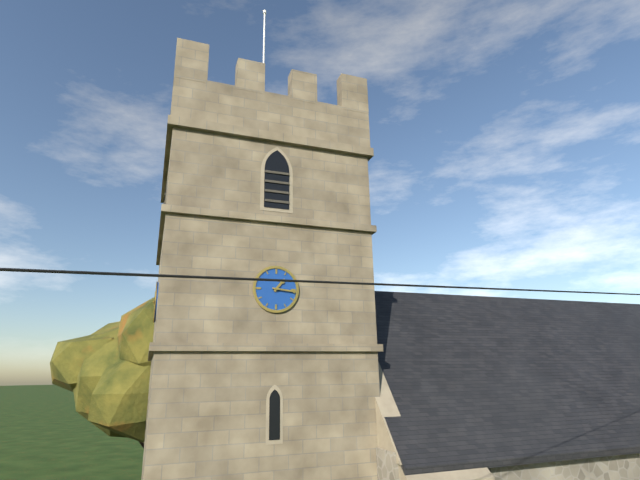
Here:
h=1 m=16
